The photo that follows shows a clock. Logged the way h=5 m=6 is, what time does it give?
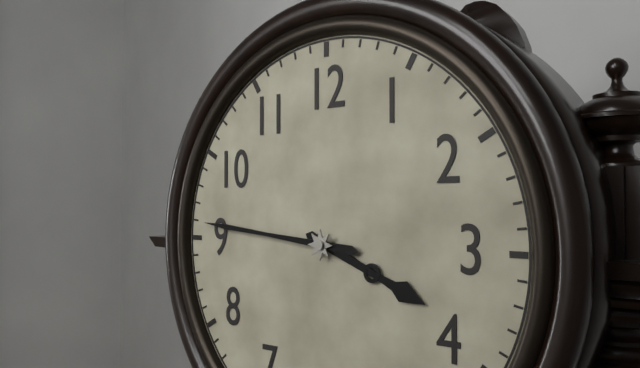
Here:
h=3 m=46
